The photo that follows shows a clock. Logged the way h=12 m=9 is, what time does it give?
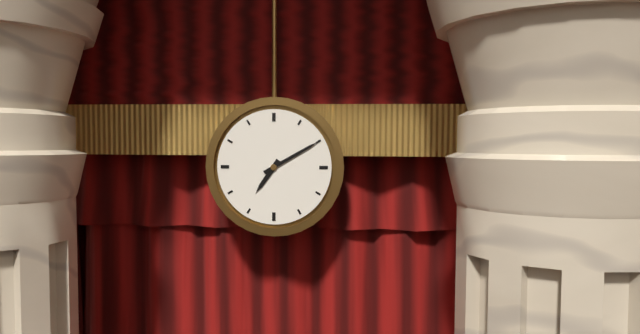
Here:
h=7 m=10
